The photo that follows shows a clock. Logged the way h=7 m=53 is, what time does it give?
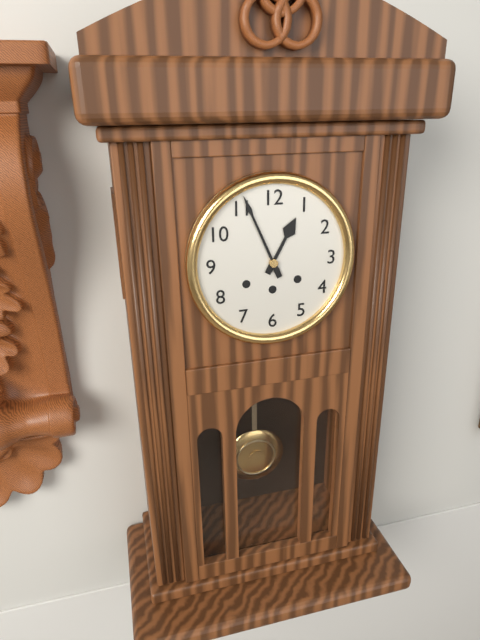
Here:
h=12 m=56
